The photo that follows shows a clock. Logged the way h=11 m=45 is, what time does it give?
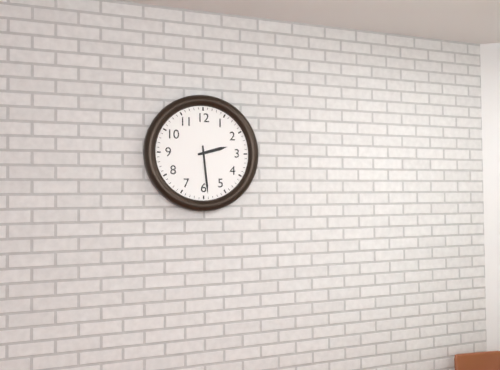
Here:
h=2 m=29
